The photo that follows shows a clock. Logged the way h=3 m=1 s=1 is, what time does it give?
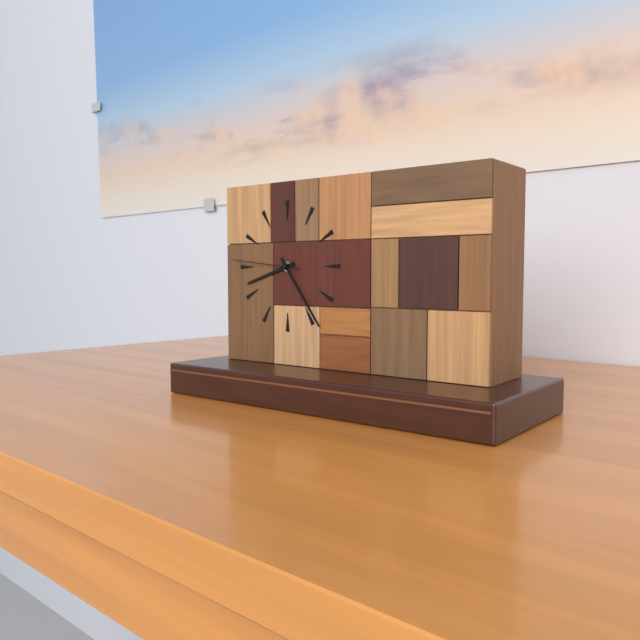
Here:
h=8 m=24 s=46
